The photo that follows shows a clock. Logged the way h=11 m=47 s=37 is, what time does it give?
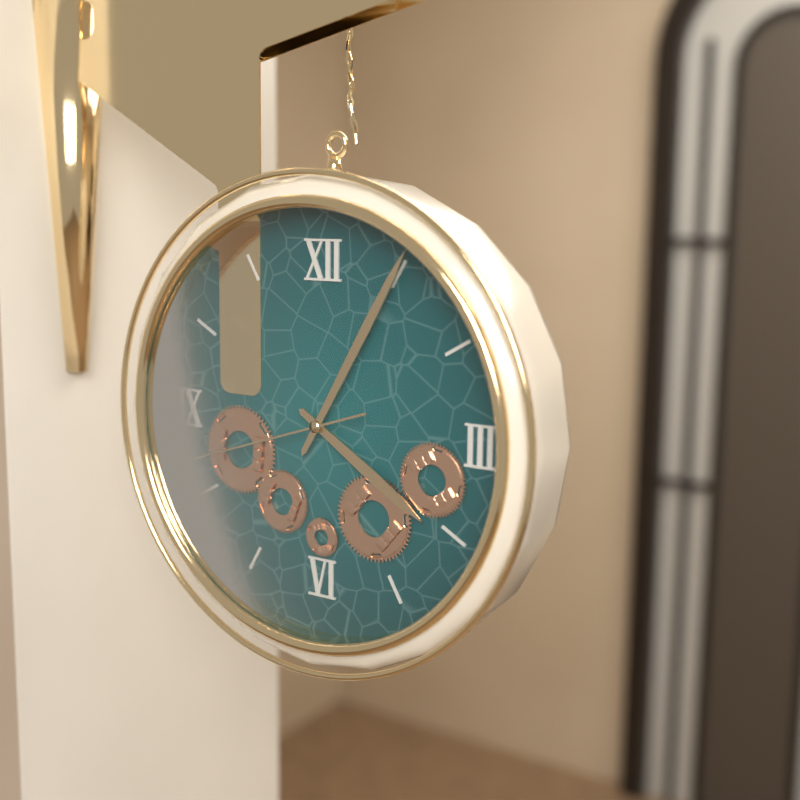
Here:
h=4 m=5 s=42
